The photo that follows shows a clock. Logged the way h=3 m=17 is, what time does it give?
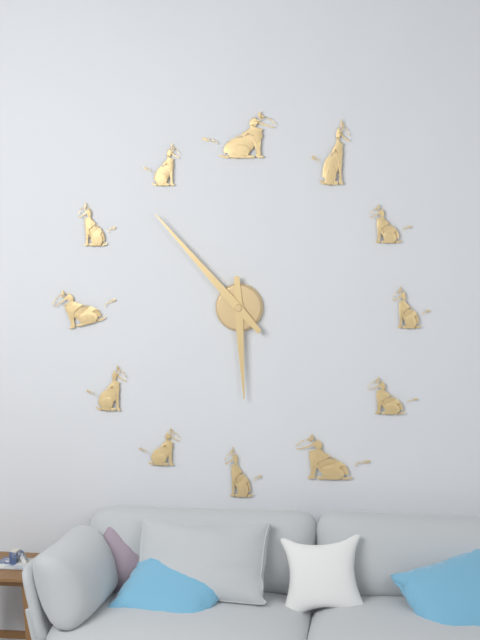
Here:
h=5 m=53
